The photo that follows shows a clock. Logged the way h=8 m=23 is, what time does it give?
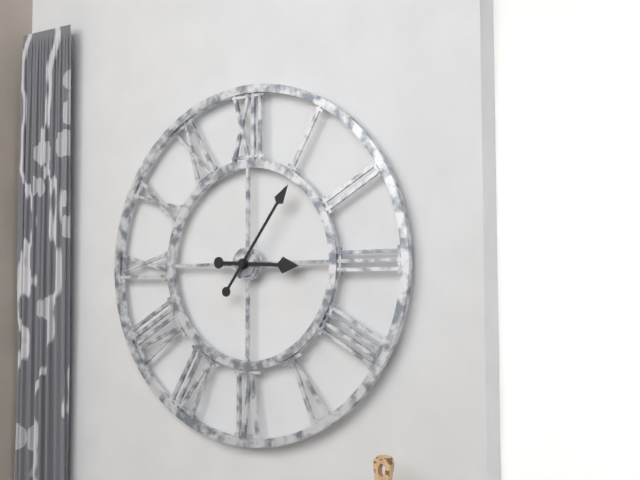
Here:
h=3 m=6
